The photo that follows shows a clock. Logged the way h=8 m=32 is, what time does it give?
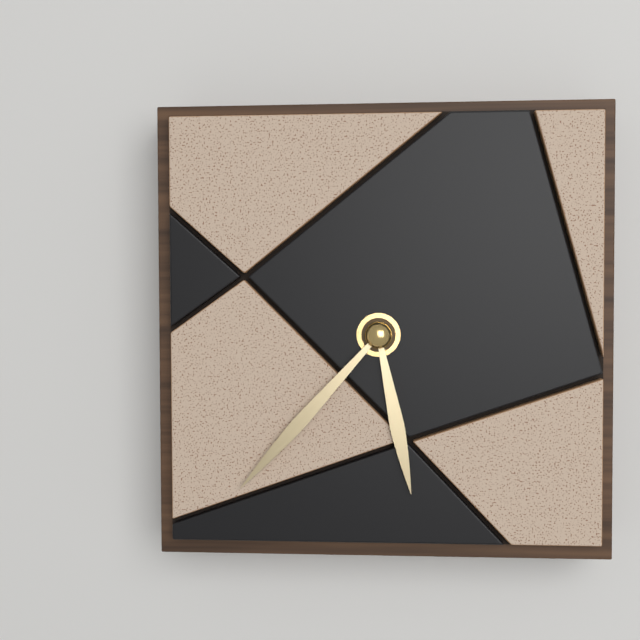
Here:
h=5 m=37
